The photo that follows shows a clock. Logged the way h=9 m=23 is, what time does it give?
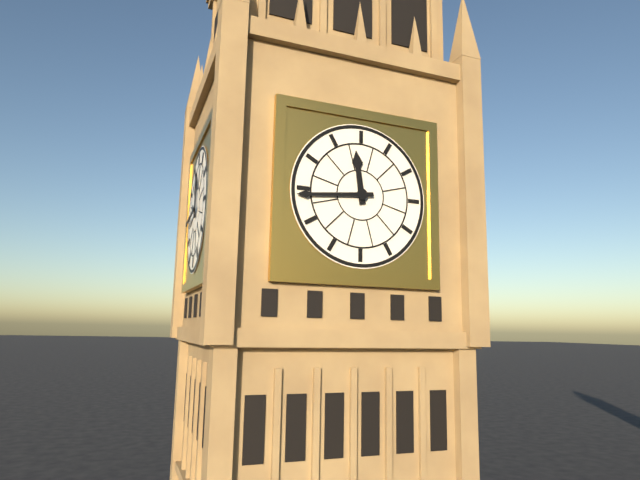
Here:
h=11 m=44
